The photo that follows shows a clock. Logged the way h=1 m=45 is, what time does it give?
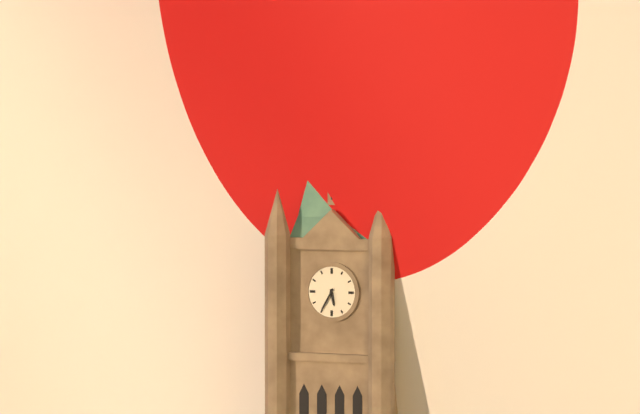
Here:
h=5 m=35
